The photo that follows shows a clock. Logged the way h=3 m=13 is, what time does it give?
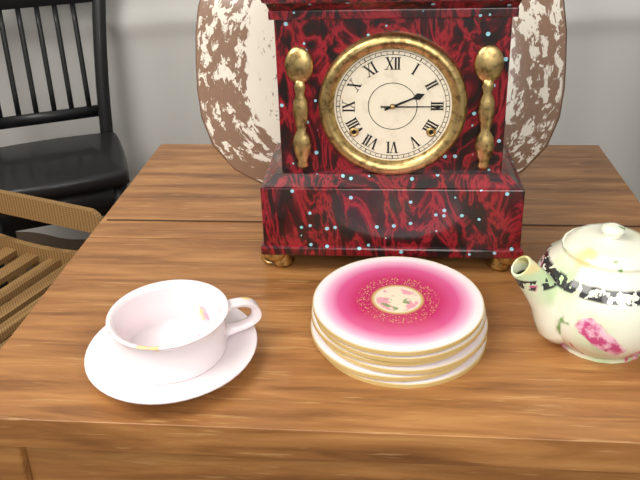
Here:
h=2 m=15
